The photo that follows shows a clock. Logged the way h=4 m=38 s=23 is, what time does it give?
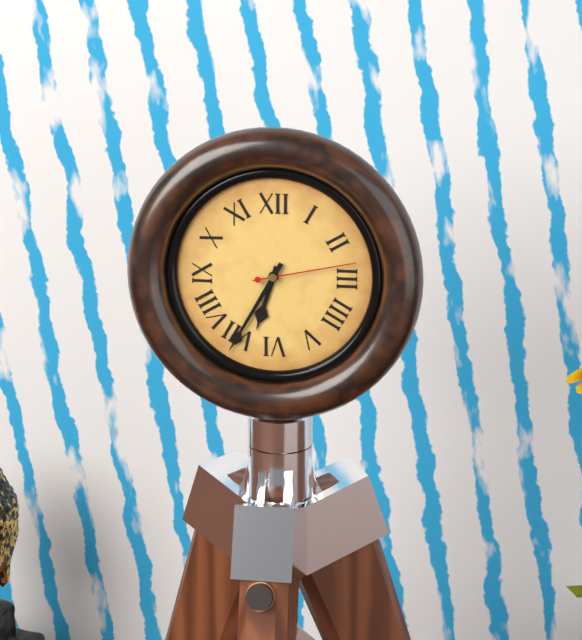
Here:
h=6 m=35 s=13
